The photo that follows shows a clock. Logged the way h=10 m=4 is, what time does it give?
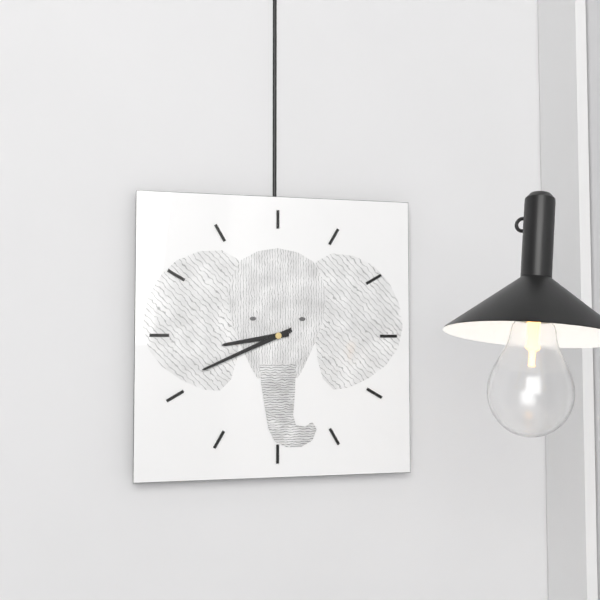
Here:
h=8 m=41
